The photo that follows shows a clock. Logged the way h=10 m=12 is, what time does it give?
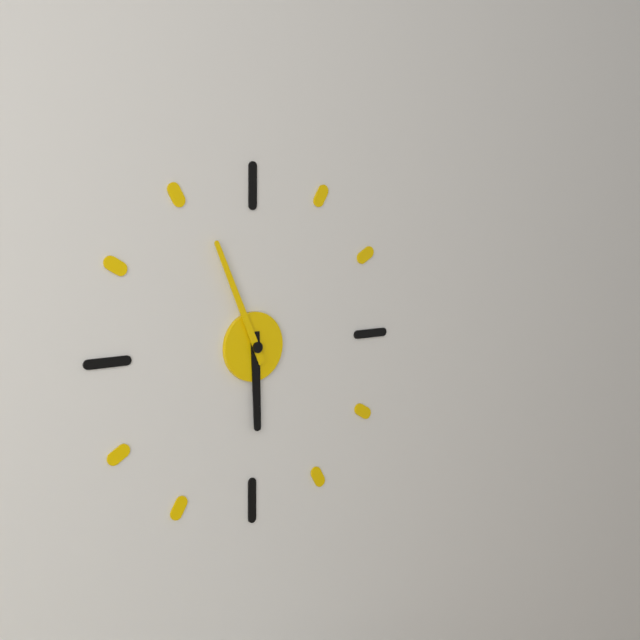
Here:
h=5 m=56
